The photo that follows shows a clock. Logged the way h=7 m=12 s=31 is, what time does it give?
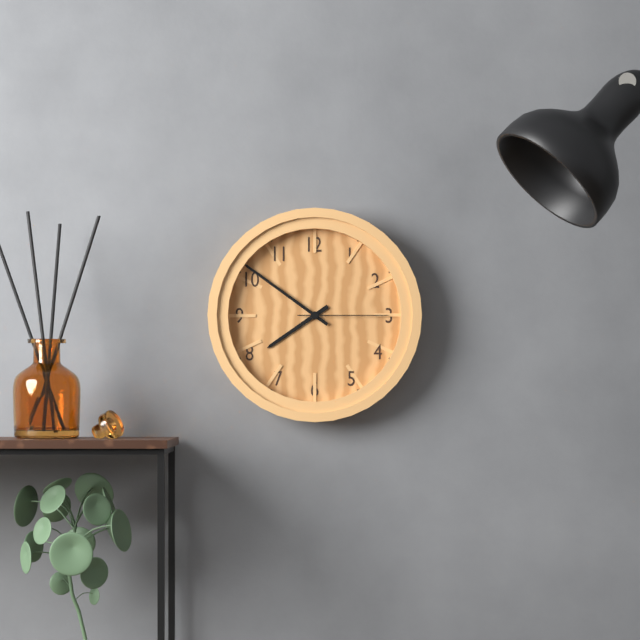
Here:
h=7 m=51 s=15
